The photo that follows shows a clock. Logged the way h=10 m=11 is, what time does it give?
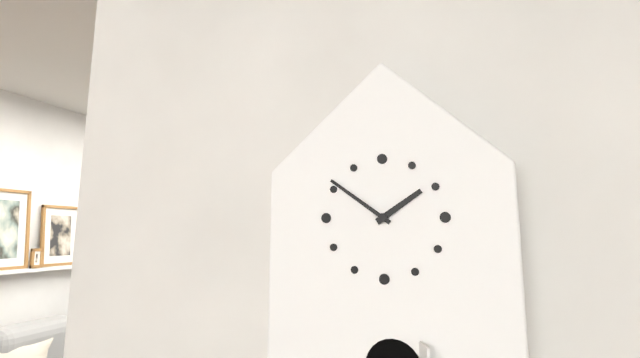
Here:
h=1 m=51
